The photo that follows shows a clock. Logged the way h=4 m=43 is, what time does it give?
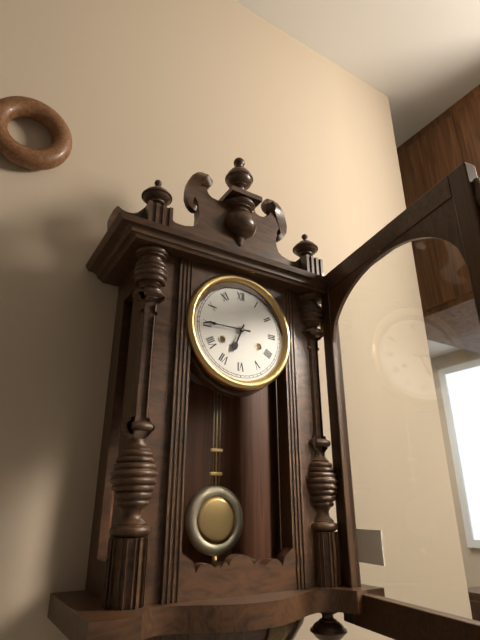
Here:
h=6 m=45
